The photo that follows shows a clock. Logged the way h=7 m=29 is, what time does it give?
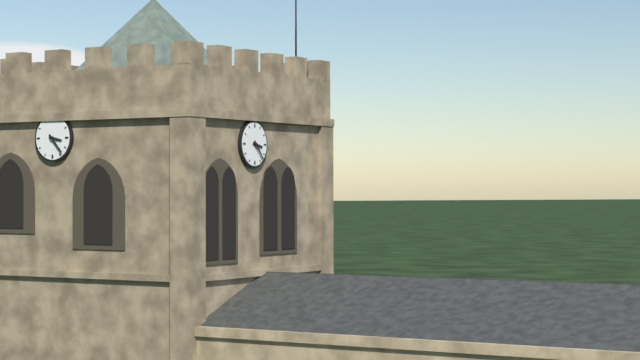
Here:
h=3 m=23
